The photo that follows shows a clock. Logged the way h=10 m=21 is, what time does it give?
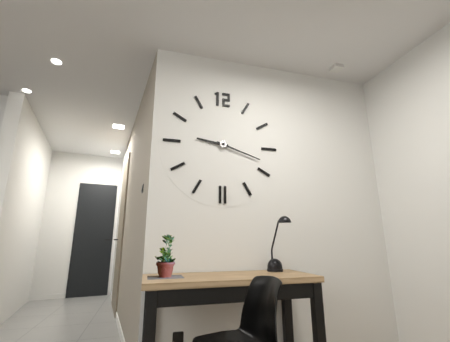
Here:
h=9 m=18
